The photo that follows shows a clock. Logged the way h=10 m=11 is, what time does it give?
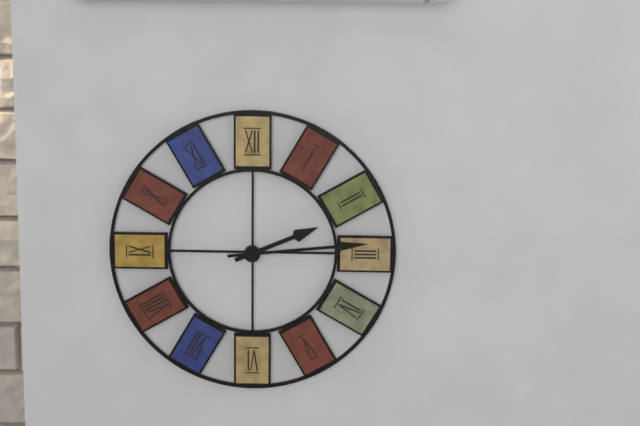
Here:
h=2 m=14
